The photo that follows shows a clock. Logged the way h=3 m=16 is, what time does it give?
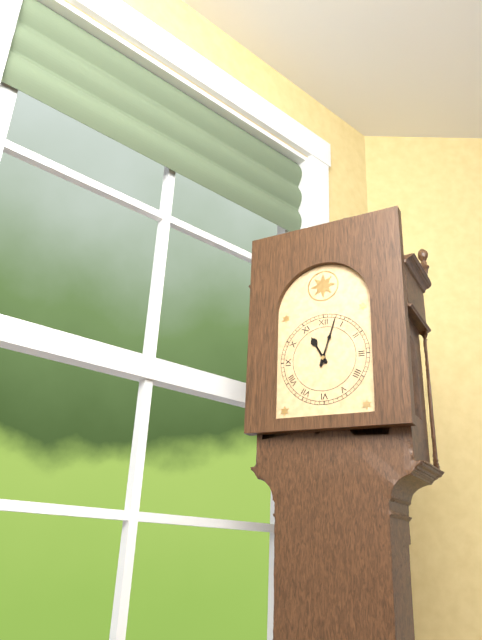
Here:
h=11 m=3
